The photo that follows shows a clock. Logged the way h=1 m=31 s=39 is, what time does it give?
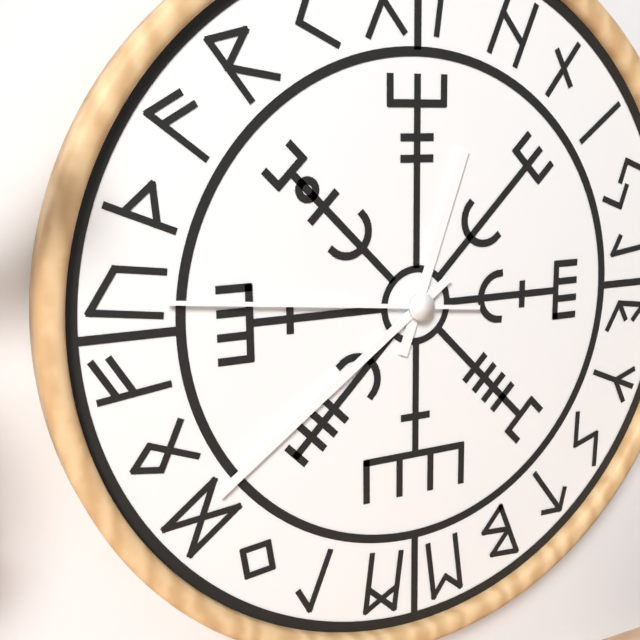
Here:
h=12 m=39 s=46
